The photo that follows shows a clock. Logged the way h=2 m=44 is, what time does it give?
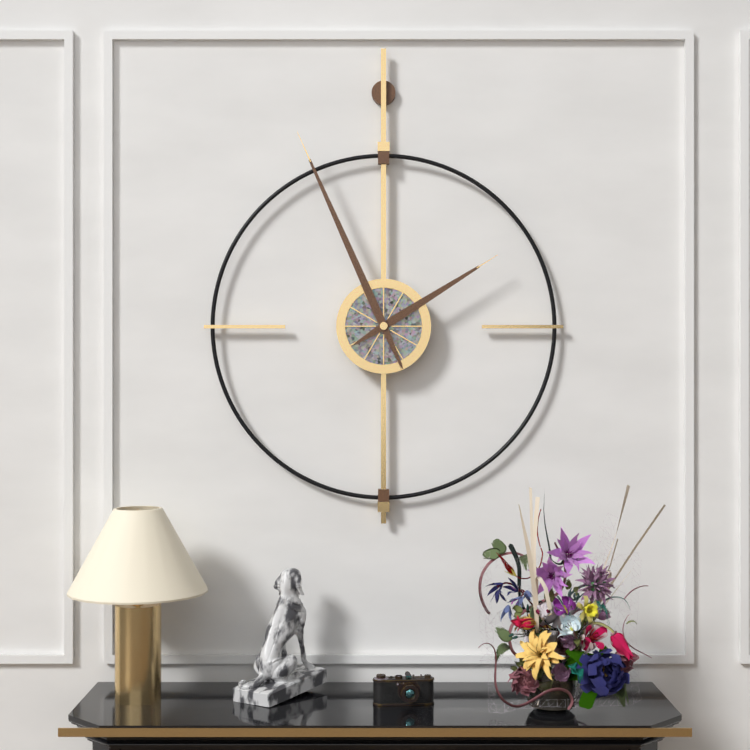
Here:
h=1 m=56
